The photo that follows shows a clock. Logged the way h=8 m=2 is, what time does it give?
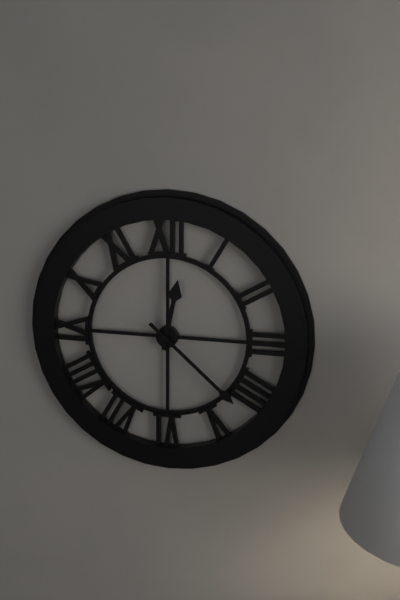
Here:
h=12 m=22
